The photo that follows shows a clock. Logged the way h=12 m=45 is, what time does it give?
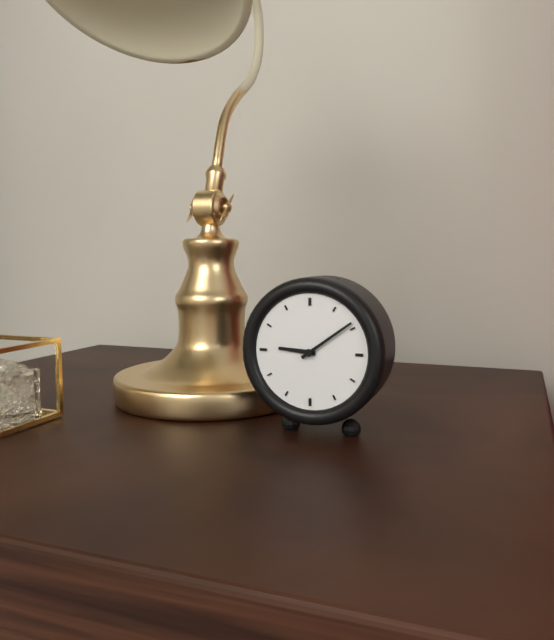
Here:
h=9 m=9
